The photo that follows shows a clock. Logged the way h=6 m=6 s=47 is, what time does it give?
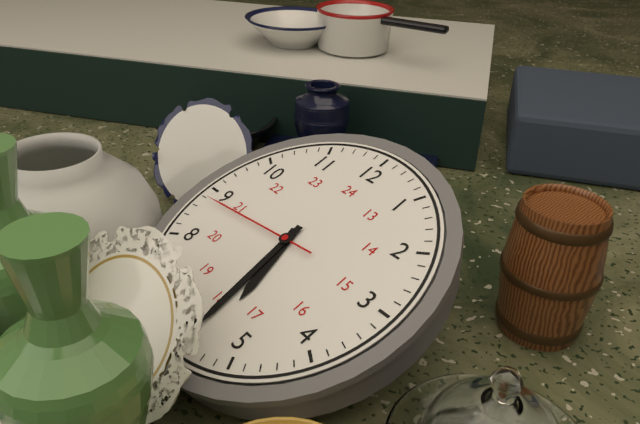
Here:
h=5 m=29 s=44
